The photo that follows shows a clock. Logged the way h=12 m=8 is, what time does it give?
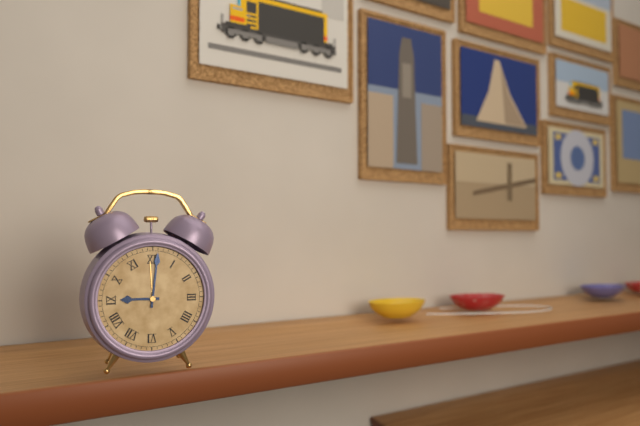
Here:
h=9 m=1
